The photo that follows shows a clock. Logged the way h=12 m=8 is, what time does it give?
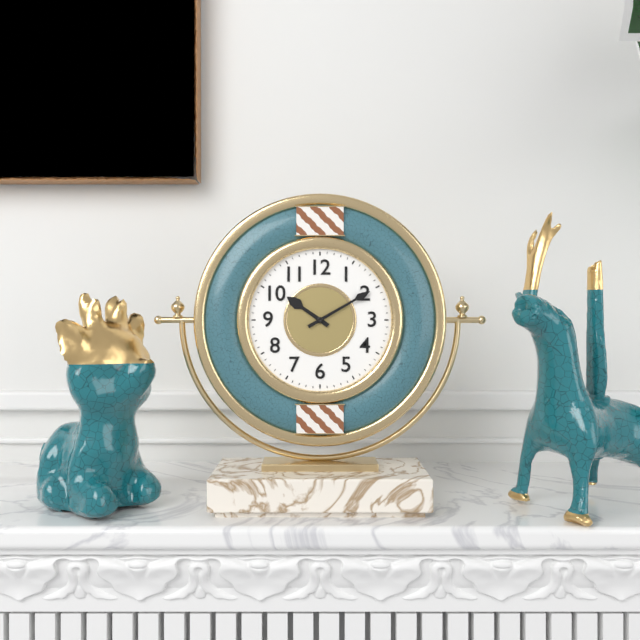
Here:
h=10 m=10
